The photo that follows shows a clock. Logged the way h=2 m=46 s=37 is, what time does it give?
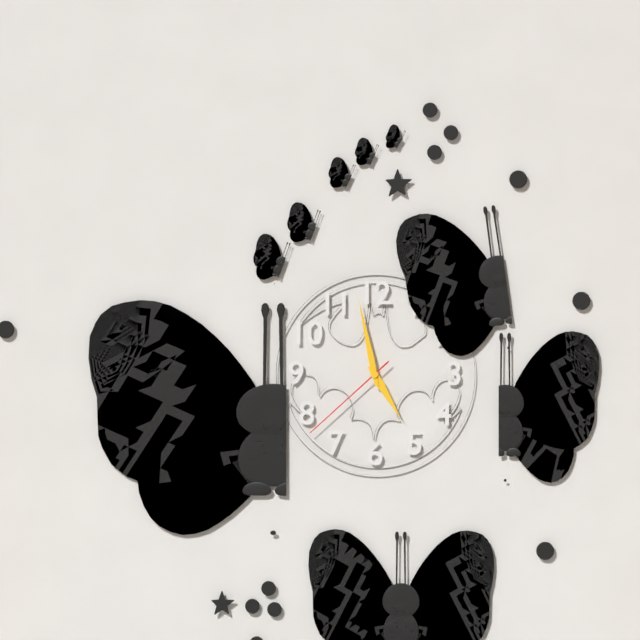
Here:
h=4 m=58 s=38
